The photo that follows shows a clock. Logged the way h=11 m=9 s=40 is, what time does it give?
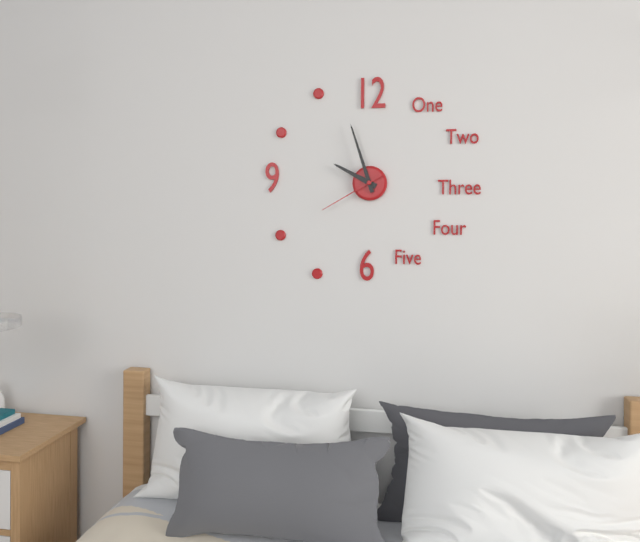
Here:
h=9 m=57 s=40
